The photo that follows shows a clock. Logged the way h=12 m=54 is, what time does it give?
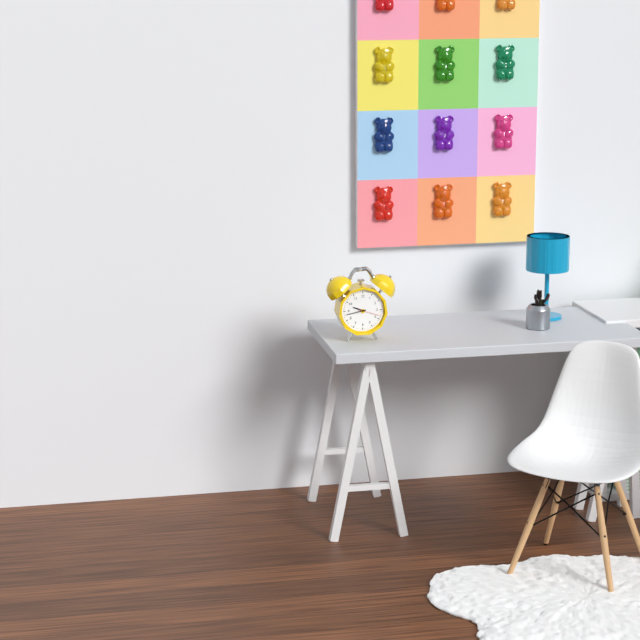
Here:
h=9 m=43
